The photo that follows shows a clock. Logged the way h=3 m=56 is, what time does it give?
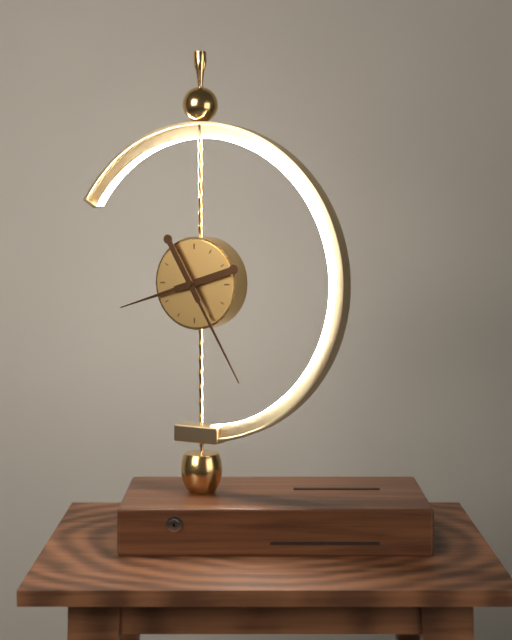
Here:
h=8 m=25
